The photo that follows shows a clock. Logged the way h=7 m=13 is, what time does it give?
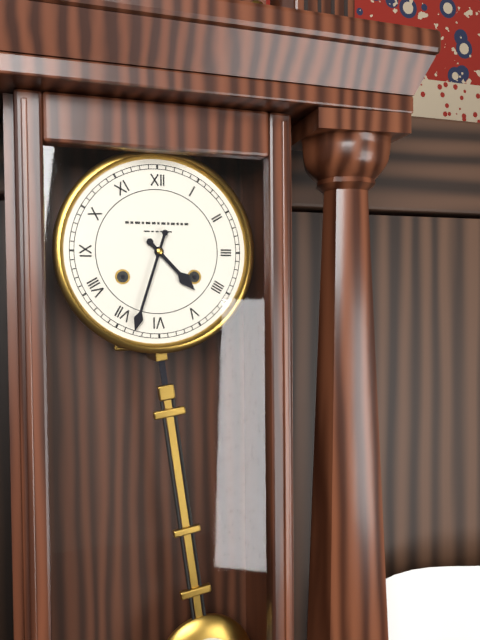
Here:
h=4 m=33
